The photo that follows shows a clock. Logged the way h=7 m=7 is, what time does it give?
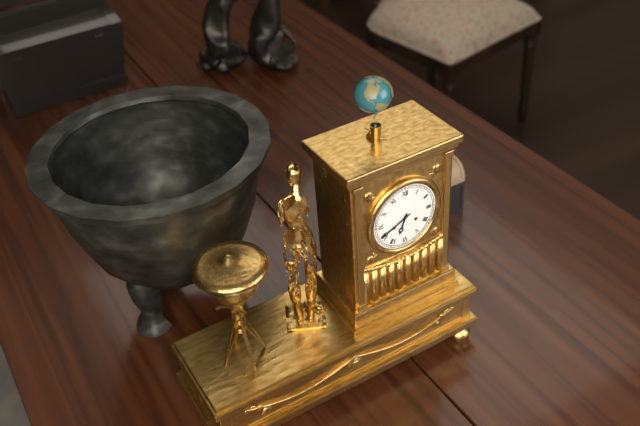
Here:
h=6 m=41
